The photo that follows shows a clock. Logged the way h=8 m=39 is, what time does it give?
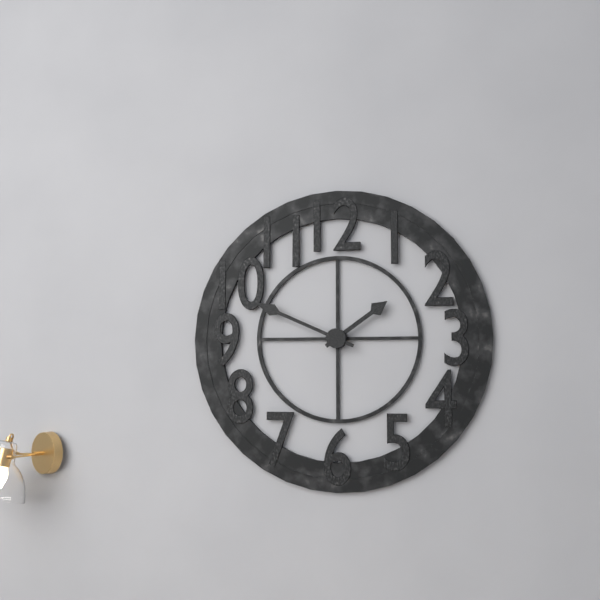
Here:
h=1 m=49
